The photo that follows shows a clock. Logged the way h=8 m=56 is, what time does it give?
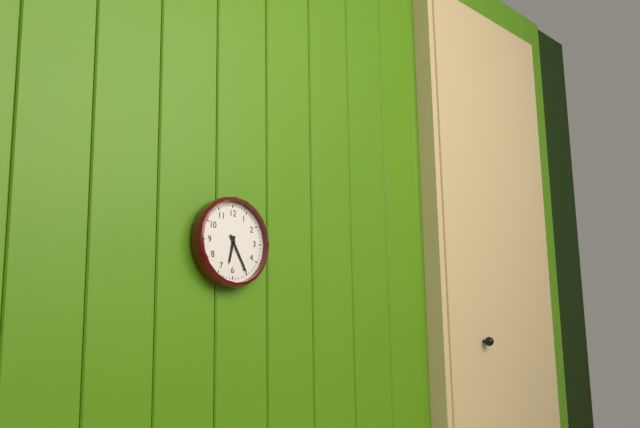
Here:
h=6 m=25
